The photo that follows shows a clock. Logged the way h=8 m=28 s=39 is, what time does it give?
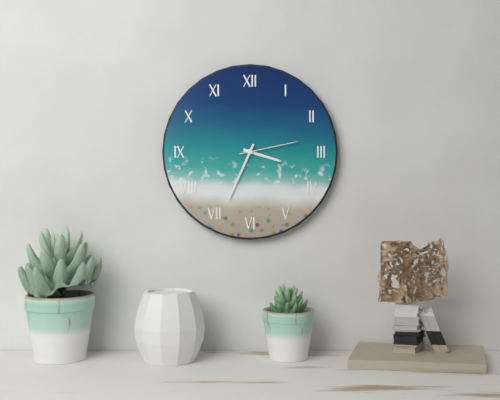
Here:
h=3 m=34 s=13
